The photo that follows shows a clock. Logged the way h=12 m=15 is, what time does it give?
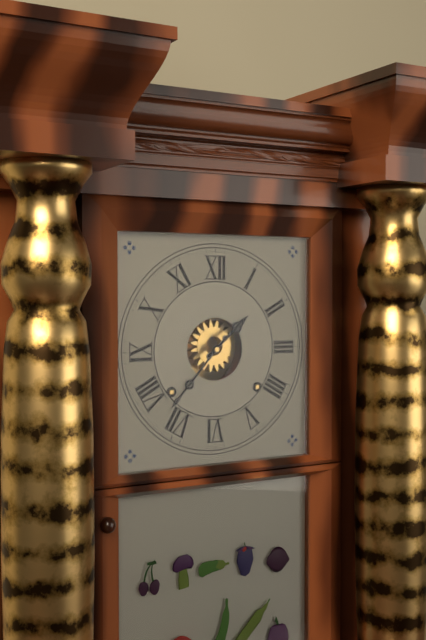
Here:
h=1 m=37
